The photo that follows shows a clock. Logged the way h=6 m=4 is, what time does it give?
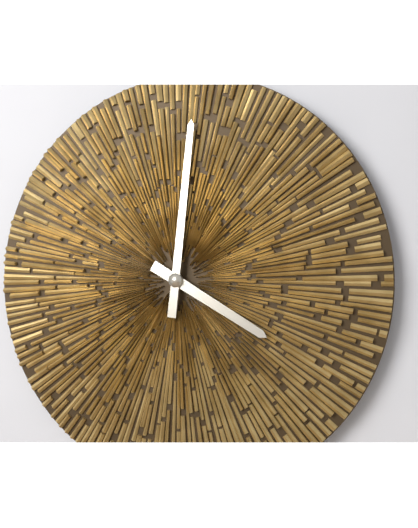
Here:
h=4 m=1
